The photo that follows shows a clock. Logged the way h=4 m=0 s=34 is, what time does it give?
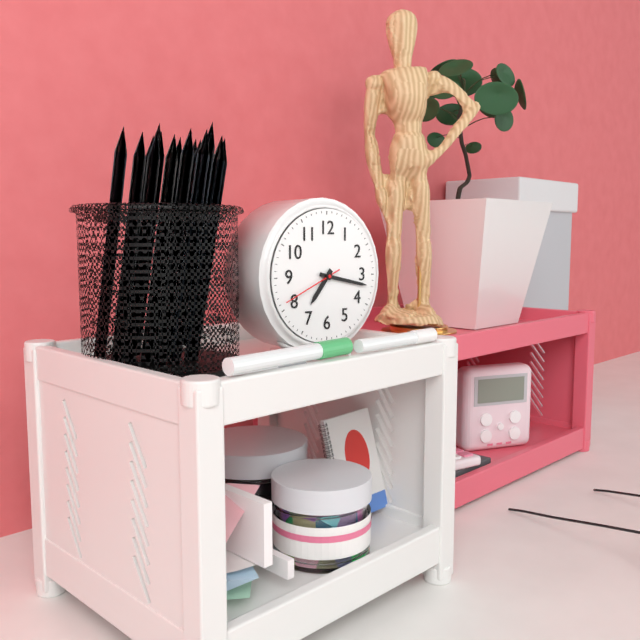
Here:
h=7 m=17 s=41
